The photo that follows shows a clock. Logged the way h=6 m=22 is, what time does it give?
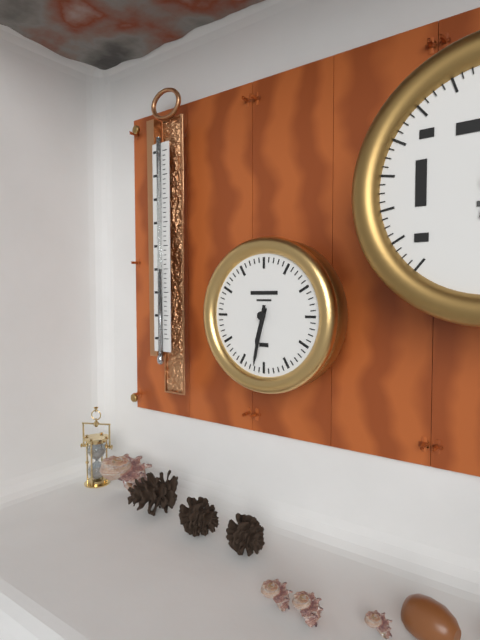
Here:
h=6 m=32
